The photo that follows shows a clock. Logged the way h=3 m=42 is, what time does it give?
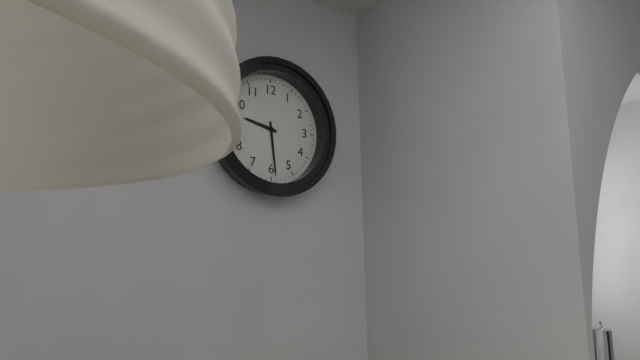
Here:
h=9 m=29
